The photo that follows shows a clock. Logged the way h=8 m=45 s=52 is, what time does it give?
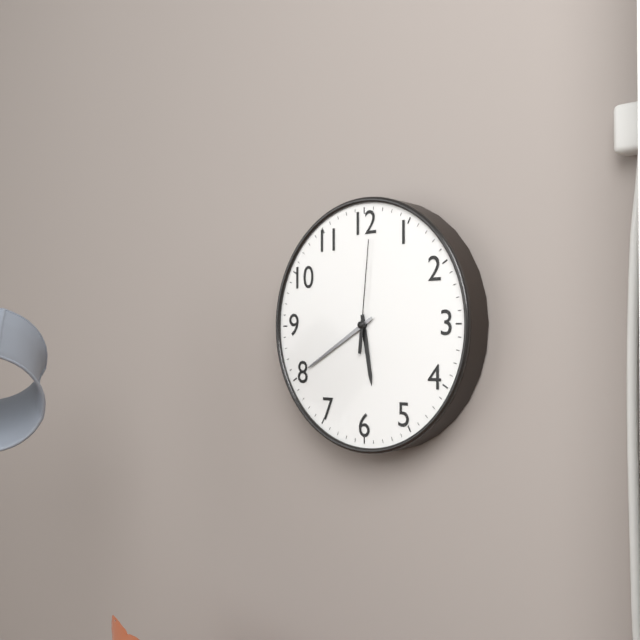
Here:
h=5 m=40 s=1
